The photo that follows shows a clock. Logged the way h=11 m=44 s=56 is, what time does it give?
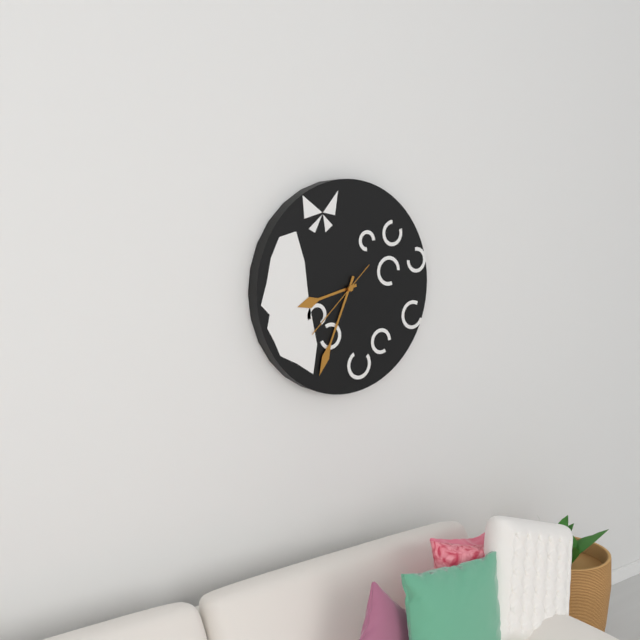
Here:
h=8 m=34 s=38
